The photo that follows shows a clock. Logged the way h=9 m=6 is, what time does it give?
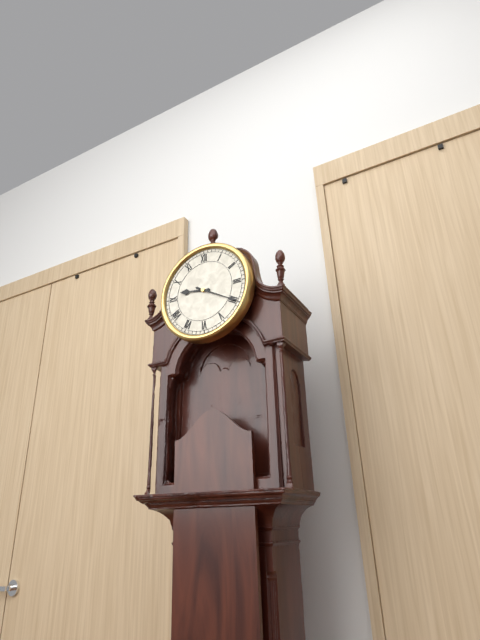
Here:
h=9 m=20
